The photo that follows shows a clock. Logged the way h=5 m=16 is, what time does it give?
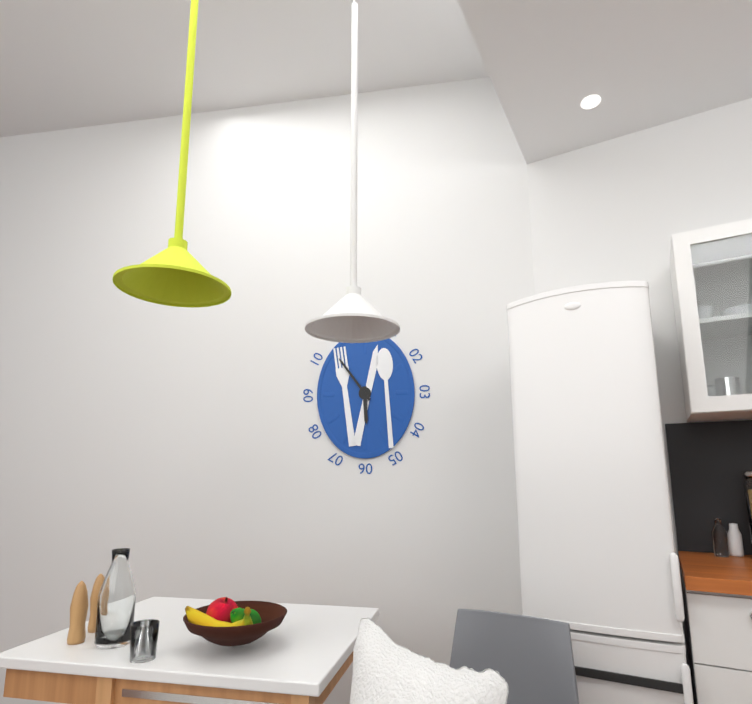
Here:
h=5 m=54
